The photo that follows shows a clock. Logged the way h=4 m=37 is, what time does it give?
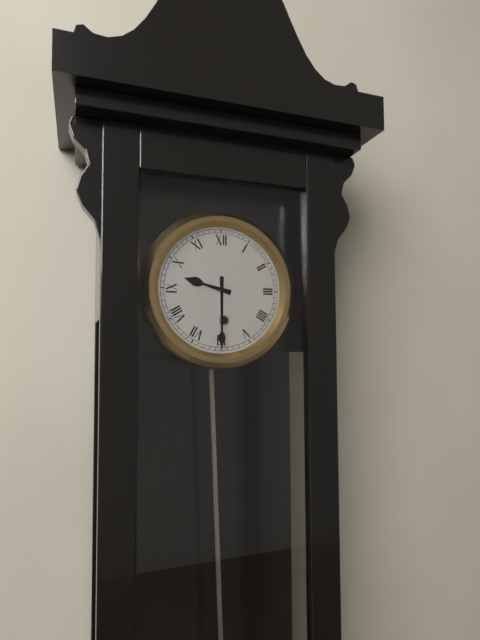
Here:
h=9 m=30
